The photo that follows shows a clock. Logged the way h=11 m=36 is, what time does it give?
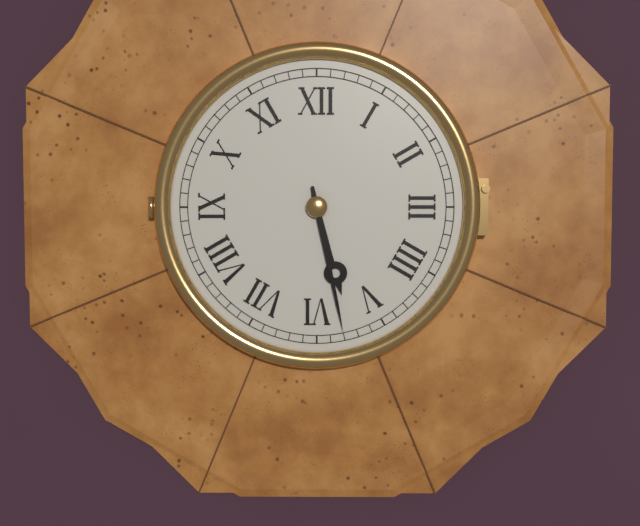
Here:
h=5 m=28
